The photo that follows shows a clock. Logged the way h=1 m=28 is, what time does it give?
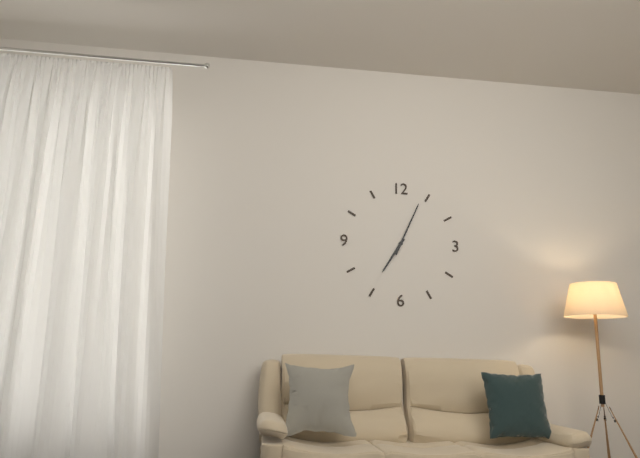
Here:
h=7 m=4
